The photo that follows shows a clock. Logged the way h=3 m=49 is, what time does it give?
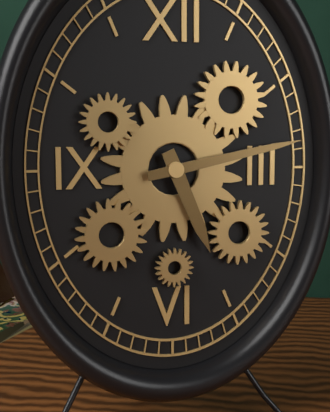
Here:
h=5 m=13
